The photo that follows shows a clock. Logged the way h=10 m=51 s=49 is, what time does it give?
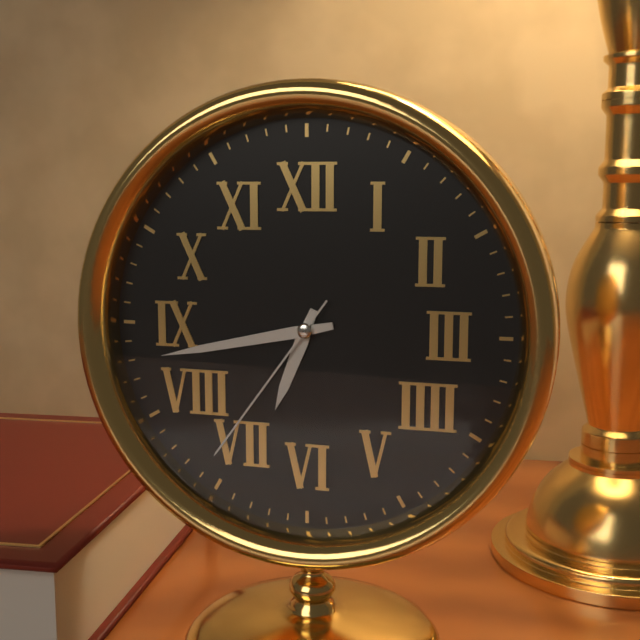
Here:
h=6 m=43 s=36
